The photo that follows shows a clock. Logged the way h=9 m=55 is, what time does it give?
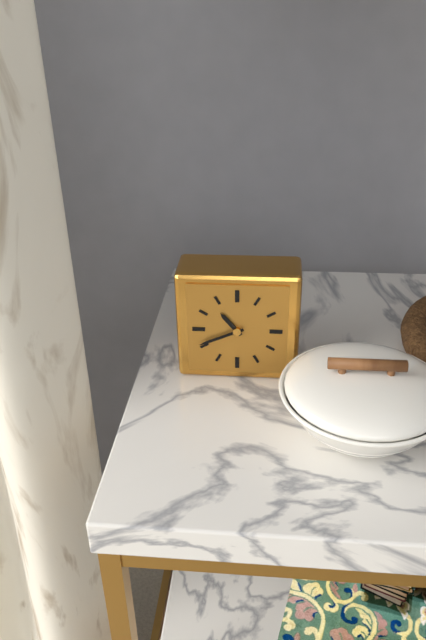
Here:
h=10 m=41
